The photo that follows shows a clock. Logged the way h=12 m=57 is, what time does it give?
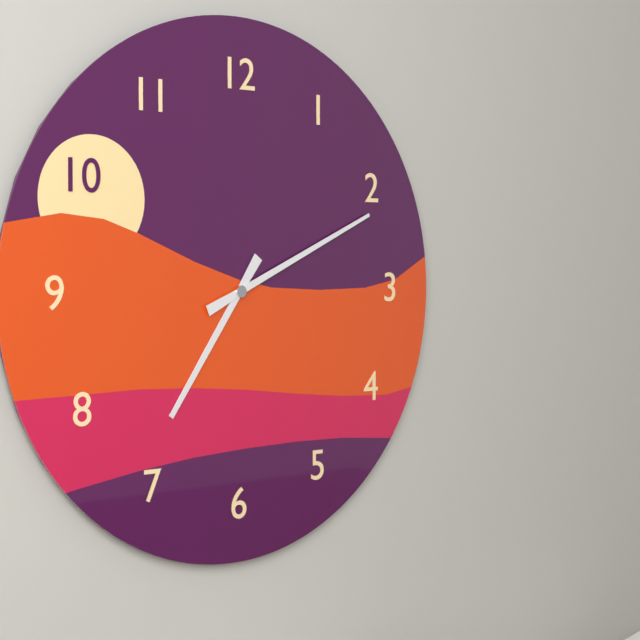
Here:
h=7 m=11
